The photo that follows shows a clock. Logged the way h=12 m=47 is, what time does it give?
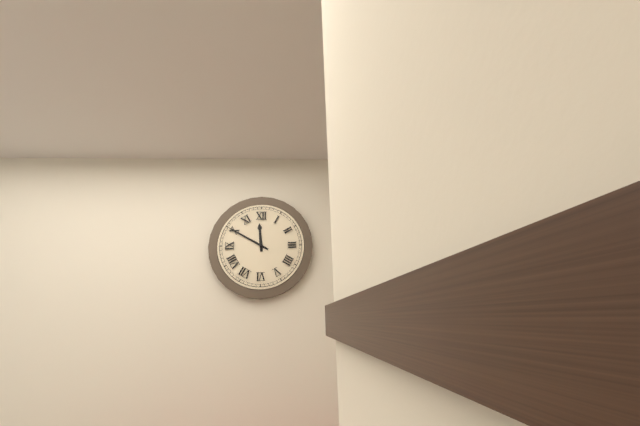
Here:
h=11 m=50
